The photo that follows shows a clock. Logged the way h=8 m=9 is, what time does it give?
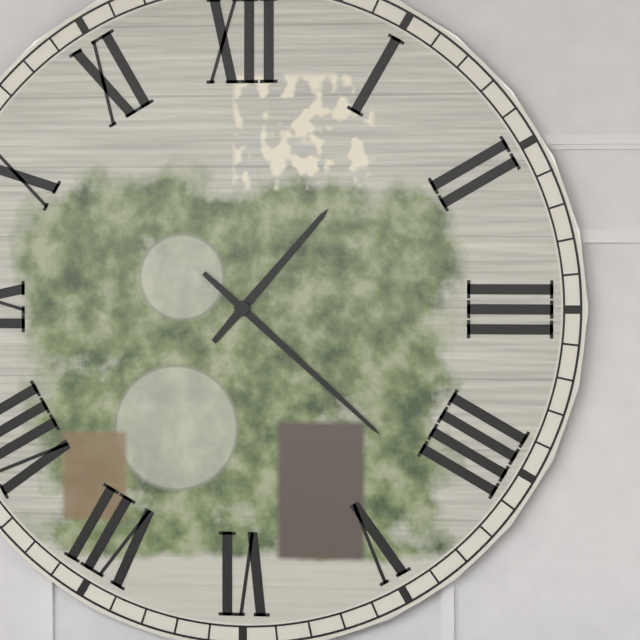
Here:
h=1 m=22
